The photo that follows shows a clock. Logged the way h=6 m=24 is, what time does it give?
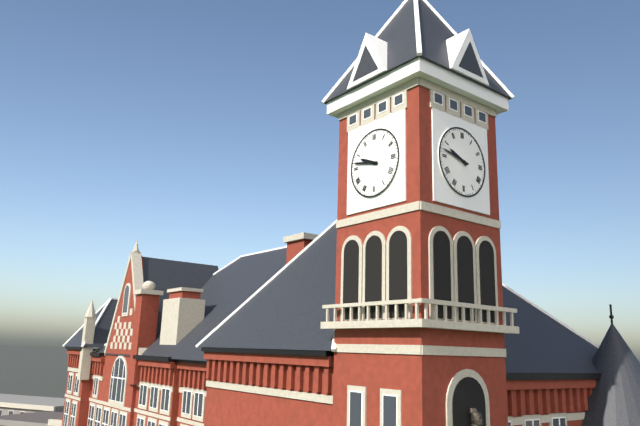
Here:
h=9 m=47
